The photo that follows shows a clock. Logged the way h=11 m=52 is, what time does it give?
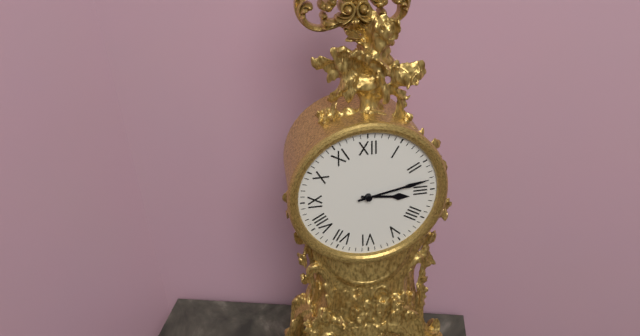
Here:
h=3 m=13
